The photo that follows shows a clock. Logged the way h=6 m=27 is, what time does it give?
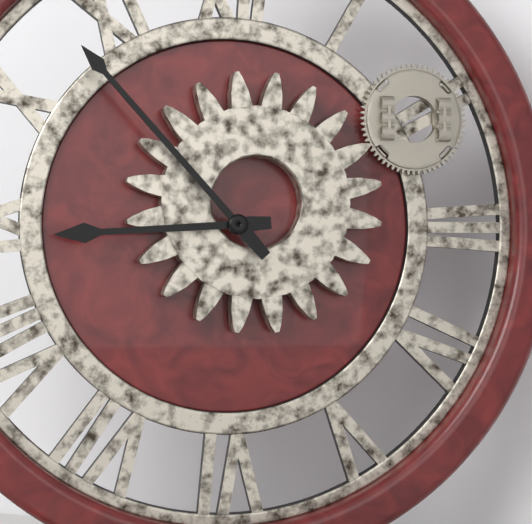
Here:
h=8 m=53
